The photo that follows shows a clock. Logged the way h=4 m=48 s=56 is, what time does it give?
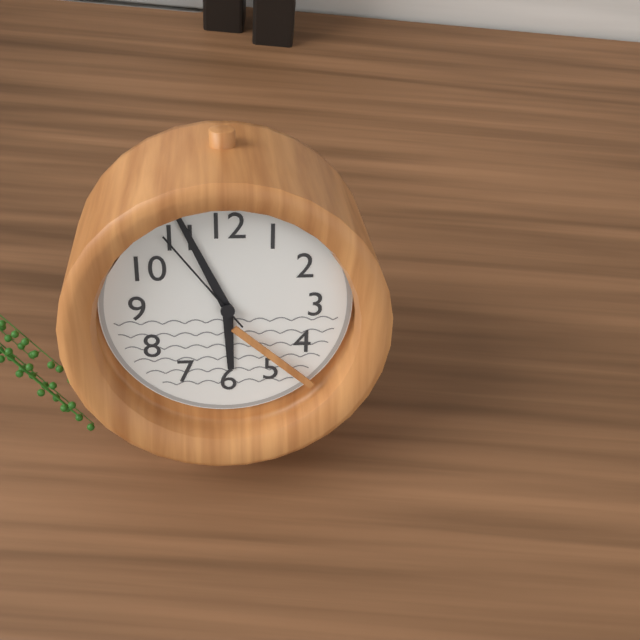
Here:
h=5 m=56 s=54
